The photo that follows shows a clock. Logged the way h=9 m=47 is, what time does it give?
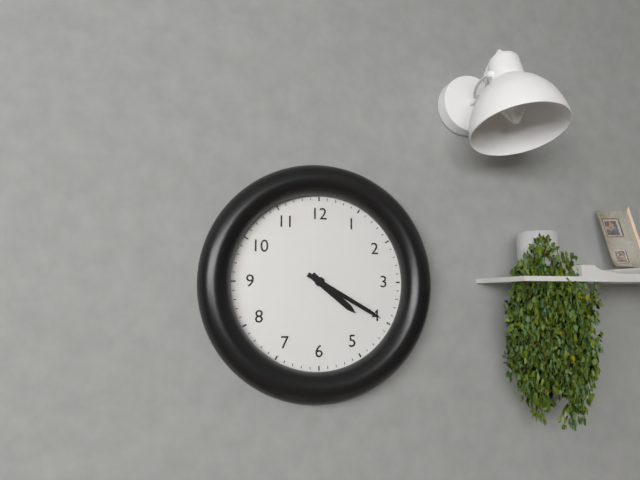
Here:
h=4 m=20
